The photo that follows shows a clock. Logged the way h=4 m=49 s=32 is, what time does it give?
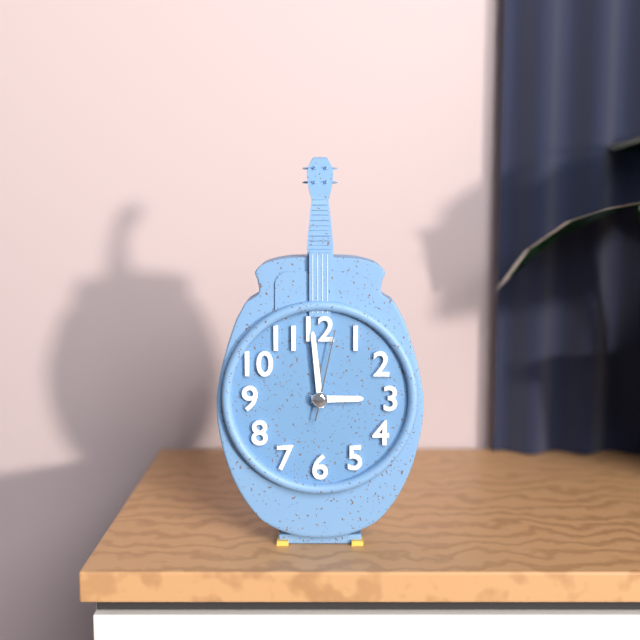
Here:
h=2 m=59 s=2
